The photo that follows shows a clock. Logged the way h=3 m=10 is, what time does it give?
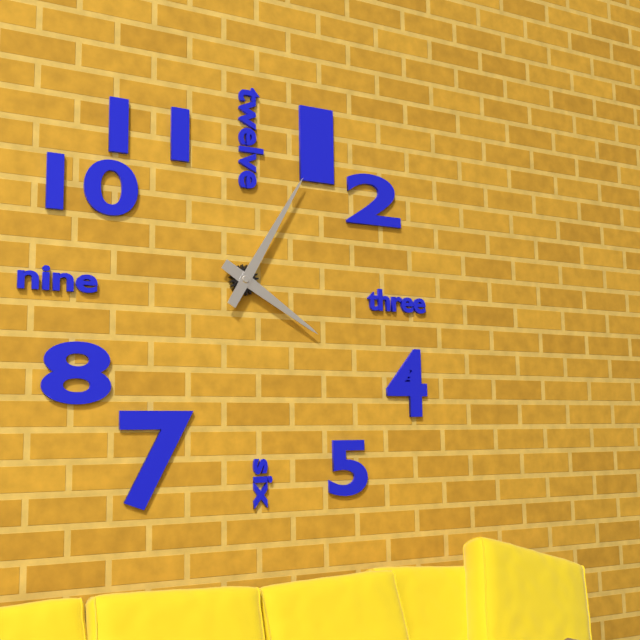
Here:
h=4 m=5
